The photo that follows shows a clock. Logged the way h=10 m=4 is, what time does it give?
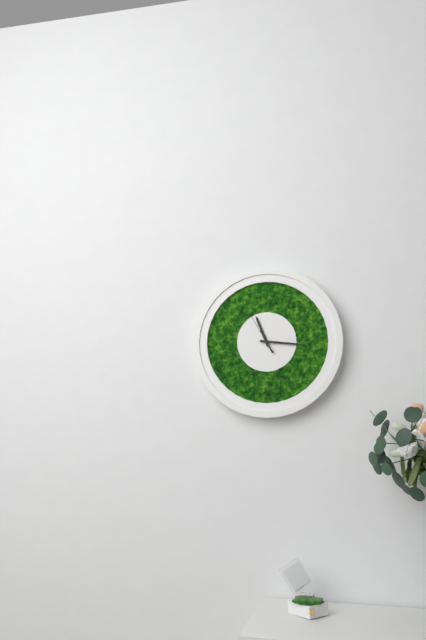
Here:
h=11 m=16
